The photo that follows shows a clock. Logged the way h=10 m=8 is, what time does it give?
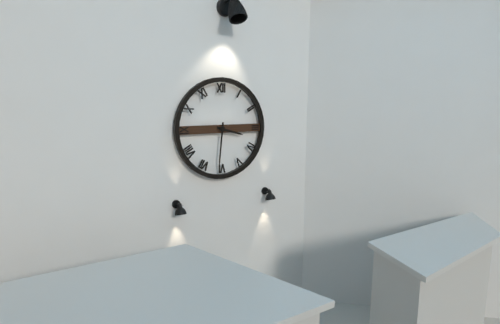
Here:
h=3 m=31
